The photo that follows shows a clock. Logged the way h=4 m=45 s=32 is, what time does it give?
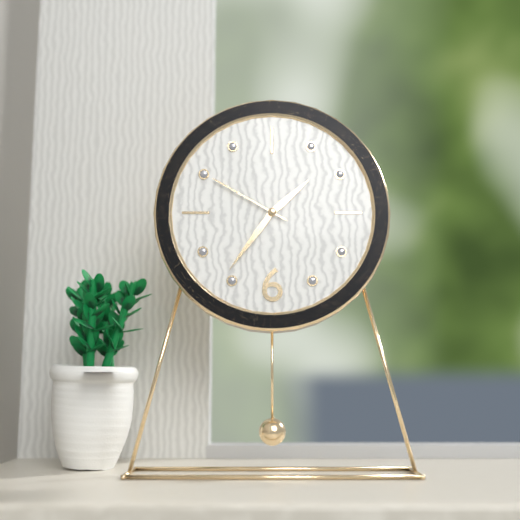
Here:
h=1 m=36 s=50
